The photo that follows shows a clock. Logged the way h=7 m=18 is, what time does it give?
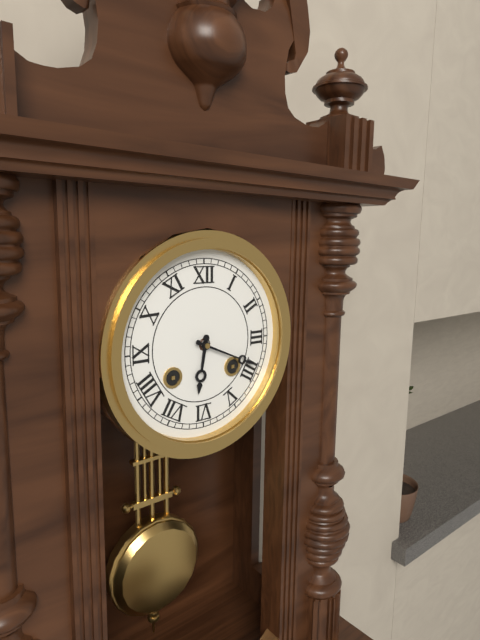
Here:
h=6 m=19
